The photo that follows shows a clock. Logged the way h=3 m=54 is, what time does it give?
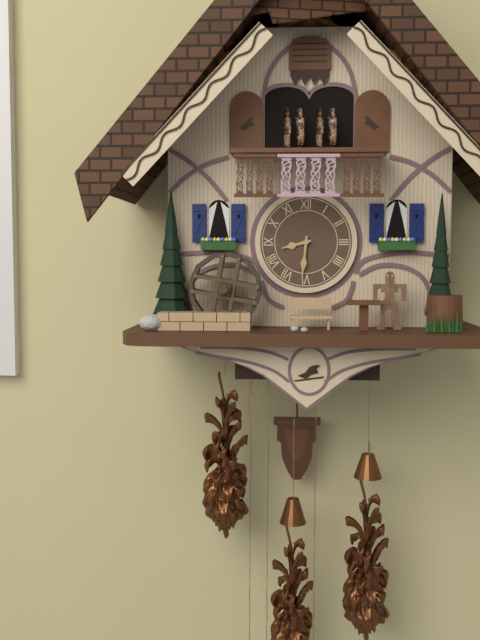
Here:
h=8 m=31
